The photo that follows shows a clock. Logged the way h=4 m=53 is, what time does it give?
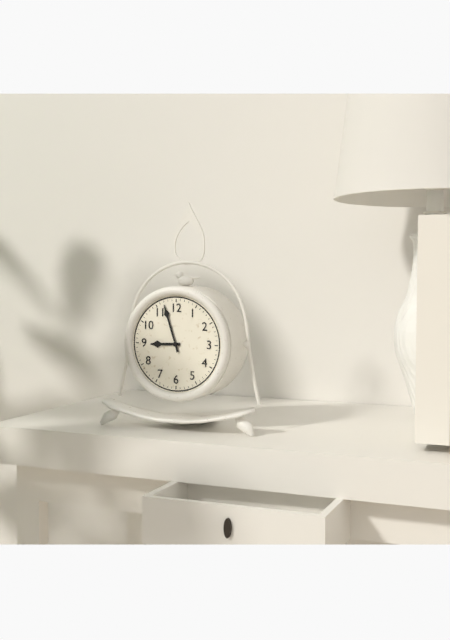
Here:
h=8 m=57
